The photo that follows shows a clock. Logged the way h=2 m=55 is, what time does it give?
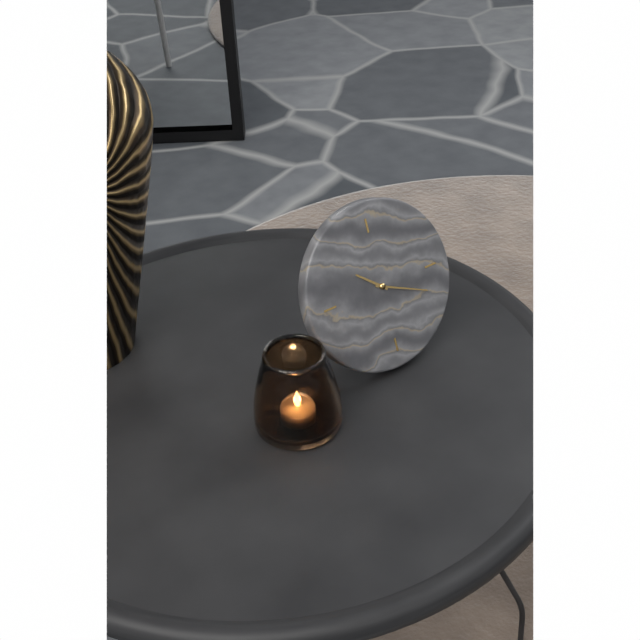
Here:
h=10 m=19
